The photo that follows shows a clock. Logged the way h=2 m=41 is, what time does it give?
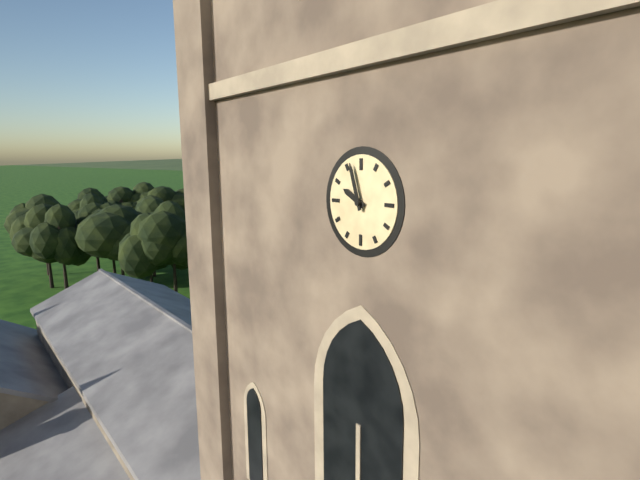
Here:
h=9 m=57
